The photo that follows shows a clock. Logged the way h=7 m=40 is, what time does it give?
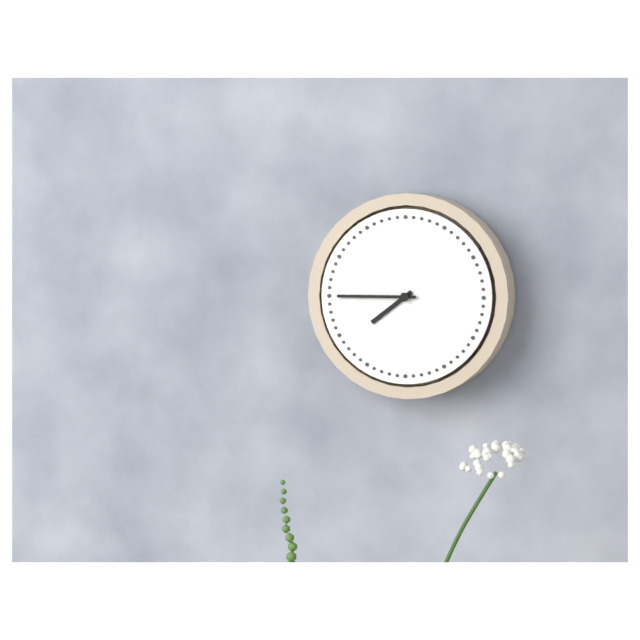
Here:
h=7 m=45
